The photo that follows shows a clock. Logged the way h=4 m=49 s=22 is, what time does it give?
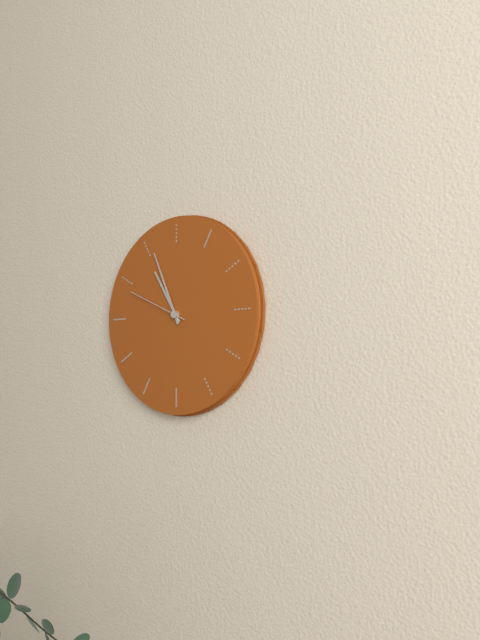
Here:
h=10 m=56 s=49
